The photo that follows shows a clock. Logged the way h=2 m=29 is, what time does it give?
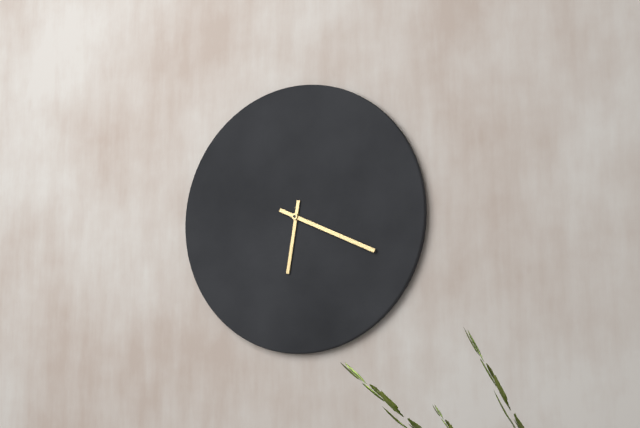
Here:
h=6 m=19
